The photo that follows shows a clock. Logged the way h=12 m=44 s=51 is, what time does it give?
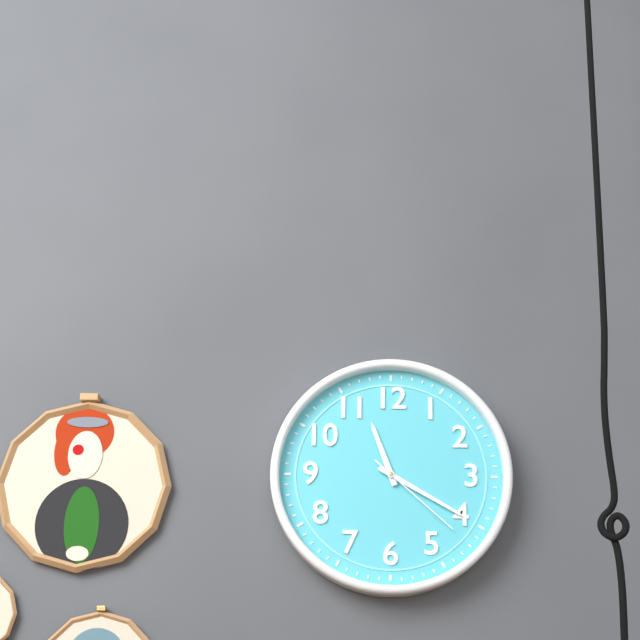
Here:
h=11 m=20 s=22
